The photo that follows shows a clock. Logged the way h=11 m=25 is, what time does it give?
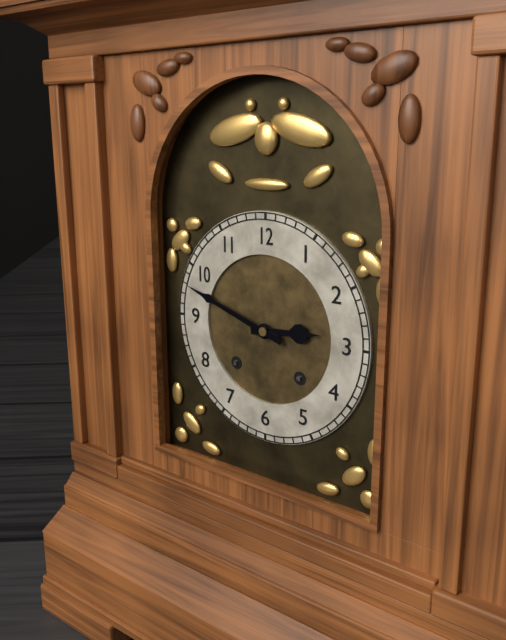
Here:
h=2 m=48
